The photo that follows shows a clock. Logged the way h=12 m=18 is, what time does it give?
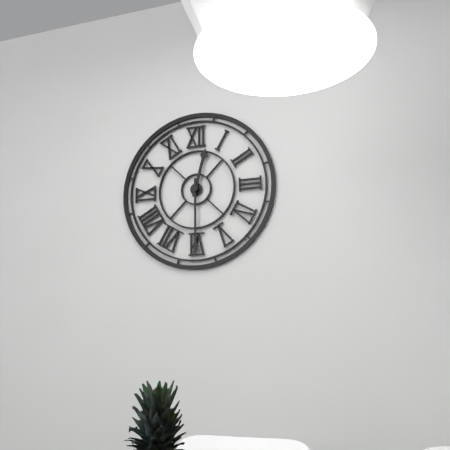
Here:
h=12 m=30
